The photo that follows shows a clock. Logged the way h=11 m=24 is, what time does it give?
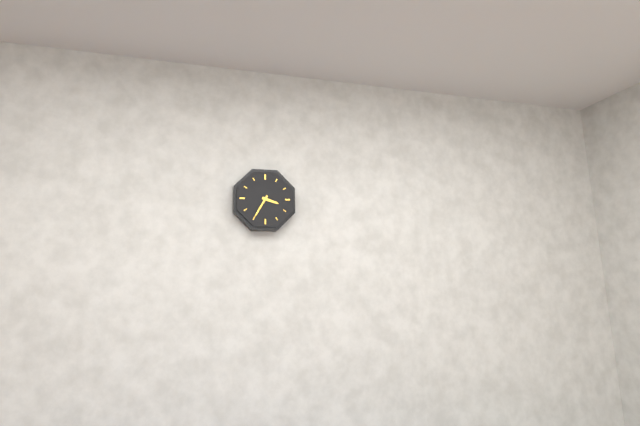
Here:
h=3 m=35
